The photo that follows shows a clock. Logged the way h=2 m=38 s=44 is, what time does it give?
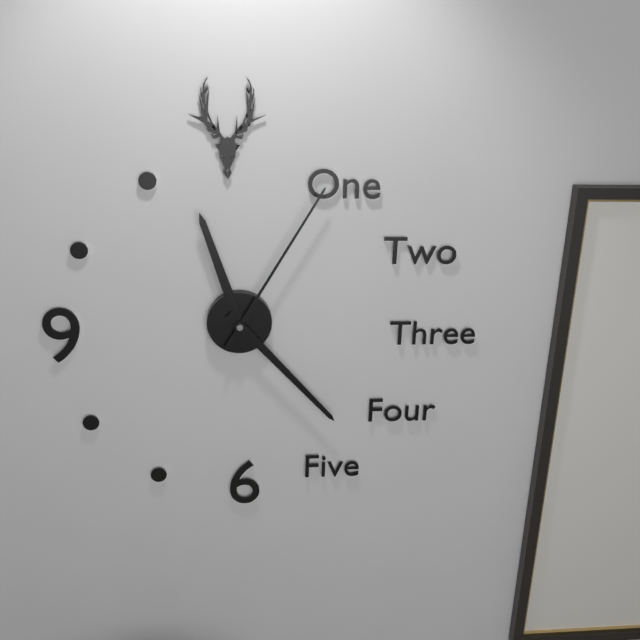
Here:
h=11 m=23 s=5
